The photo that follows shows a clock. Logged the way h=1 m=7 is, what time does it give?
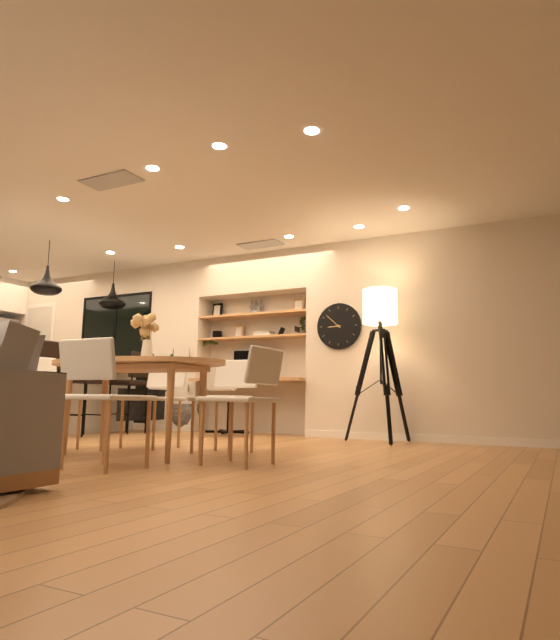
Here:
h=8 m=52
